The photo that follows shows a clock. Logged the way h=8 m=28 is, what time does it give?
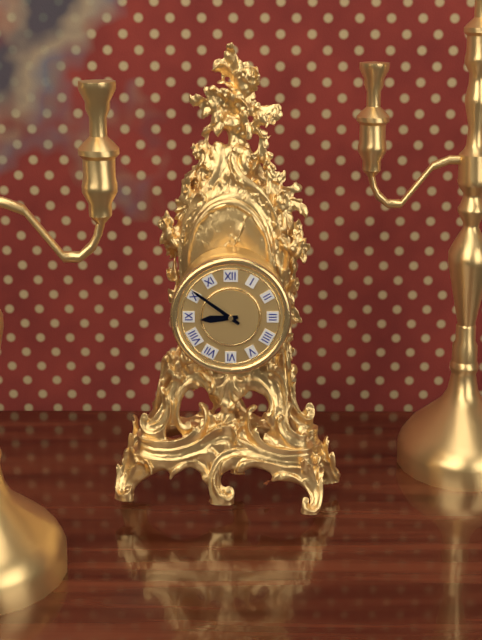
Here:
h=8 m=51
